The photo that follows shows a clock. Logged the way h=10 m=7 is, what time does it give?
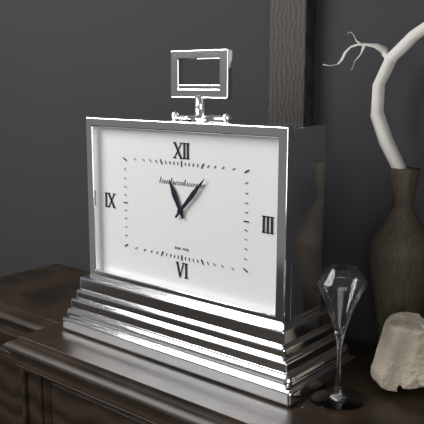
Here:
h=11 m=7
